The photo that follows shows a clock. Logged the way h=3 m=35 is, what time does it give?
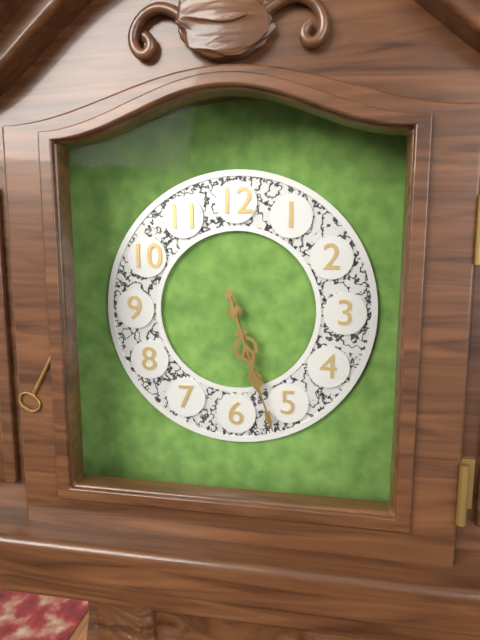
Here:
h=5 m=27
